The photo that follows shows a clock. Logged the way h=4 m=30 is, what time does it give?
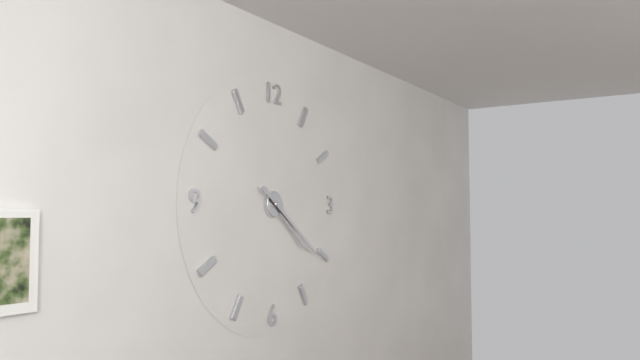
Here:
h=4 m=21
